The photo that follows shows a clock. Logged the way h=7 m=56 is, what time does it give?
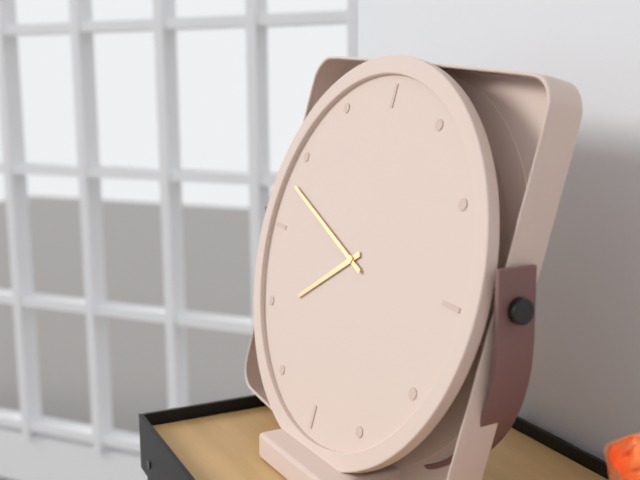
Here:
h=7 m=48
